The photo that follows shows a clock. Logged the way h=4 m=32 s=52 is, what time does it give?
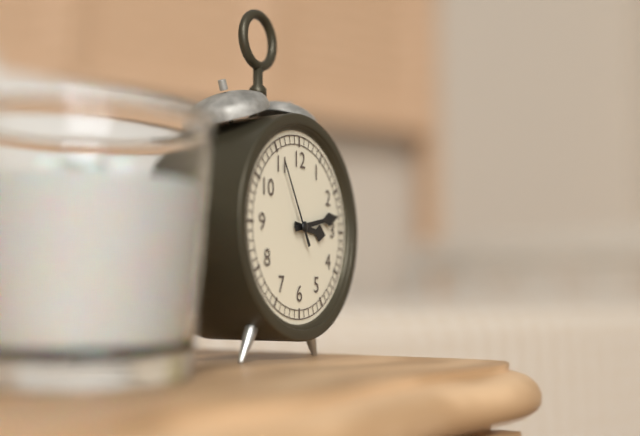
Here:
h=3 m=13 s=55
